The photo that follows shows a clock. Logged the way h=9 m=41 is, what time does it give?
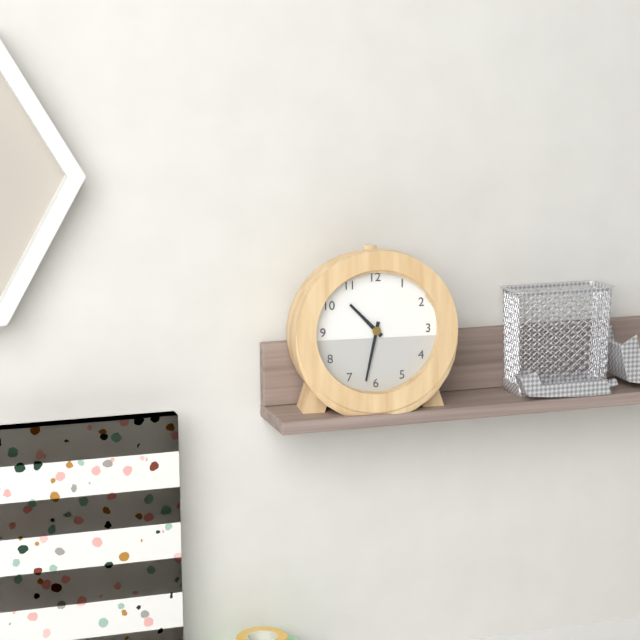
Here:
h=10 m=32
